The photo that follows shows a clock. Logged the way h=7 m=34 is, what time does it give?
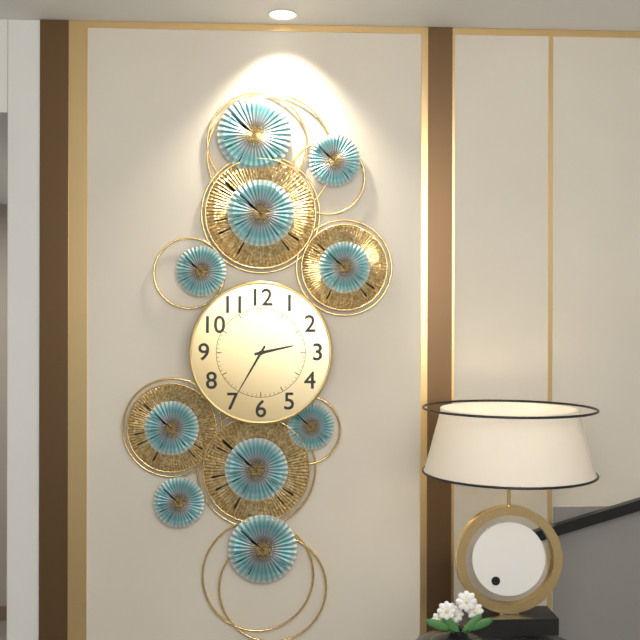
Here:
h=2 m=35
